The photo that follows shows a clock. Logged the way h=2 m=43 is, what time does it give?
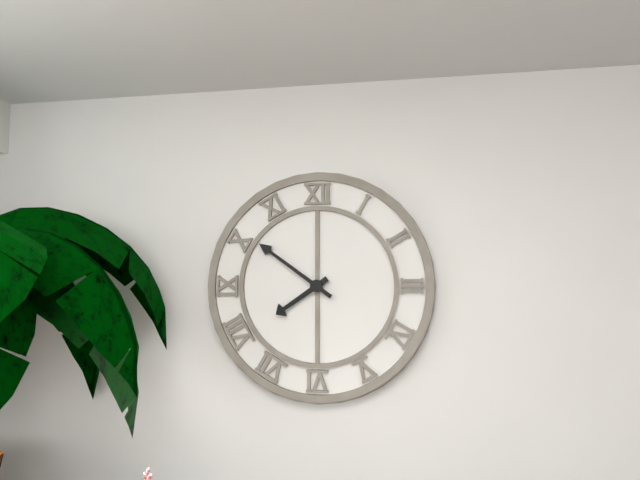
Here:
h=7 m=51
